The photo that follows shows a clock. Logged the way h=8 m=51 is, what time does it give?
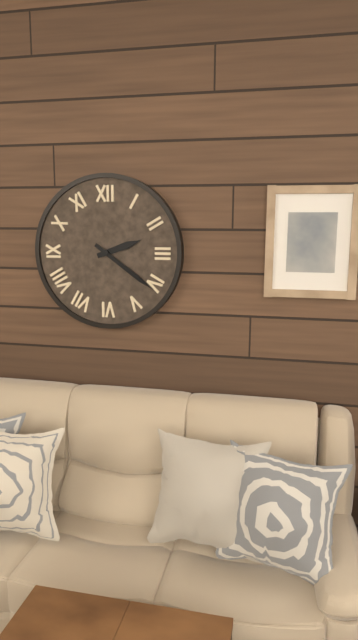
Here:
h=2 m=21
